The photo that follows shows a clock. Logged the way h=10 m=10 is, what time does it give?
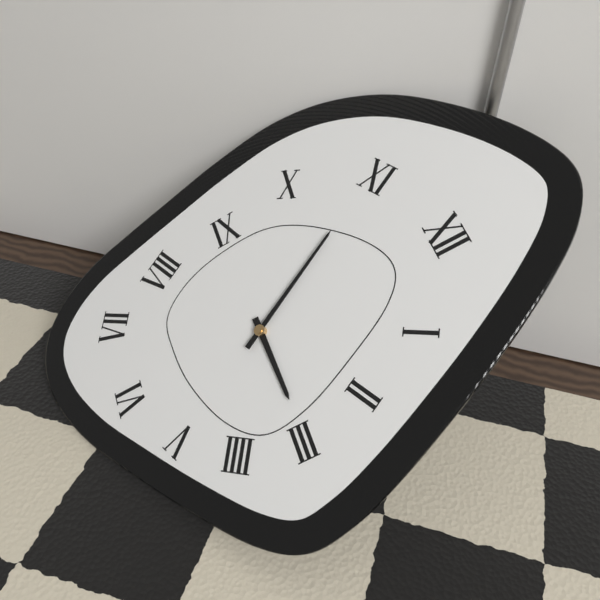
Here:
h=2 m=55
